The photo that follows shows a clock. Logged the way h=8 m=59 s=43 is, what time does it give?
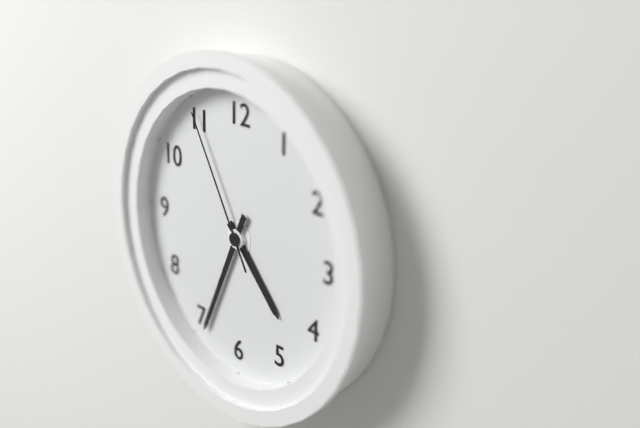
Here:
h=4 m=34 s=55
